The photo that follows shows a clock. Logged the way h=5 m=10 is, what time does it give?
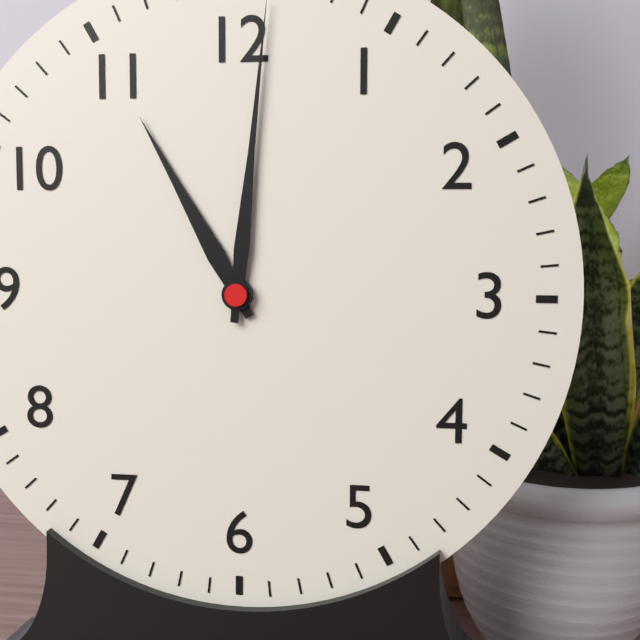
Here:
h=11 m=1
